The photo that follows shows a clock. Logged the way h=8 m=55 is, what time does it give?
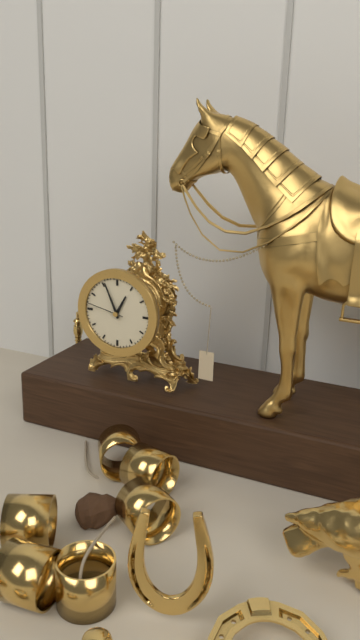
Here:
h=12 m=56
